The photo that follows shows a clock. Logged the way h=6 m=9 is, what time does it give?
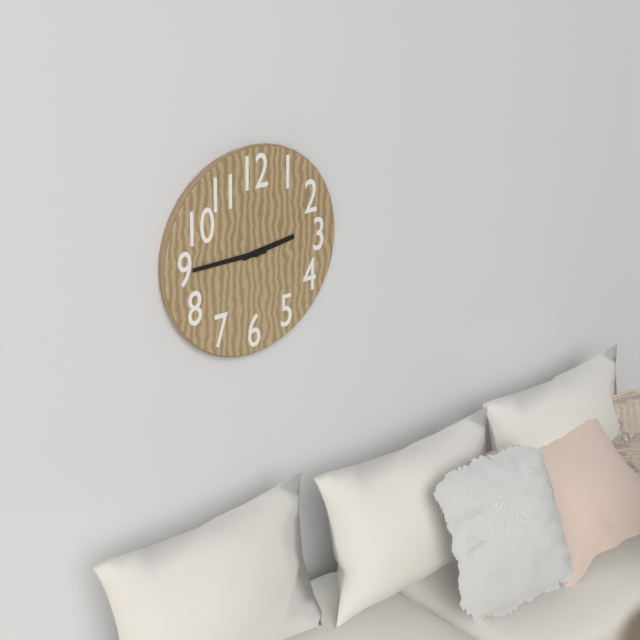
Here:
h=2 m=45
